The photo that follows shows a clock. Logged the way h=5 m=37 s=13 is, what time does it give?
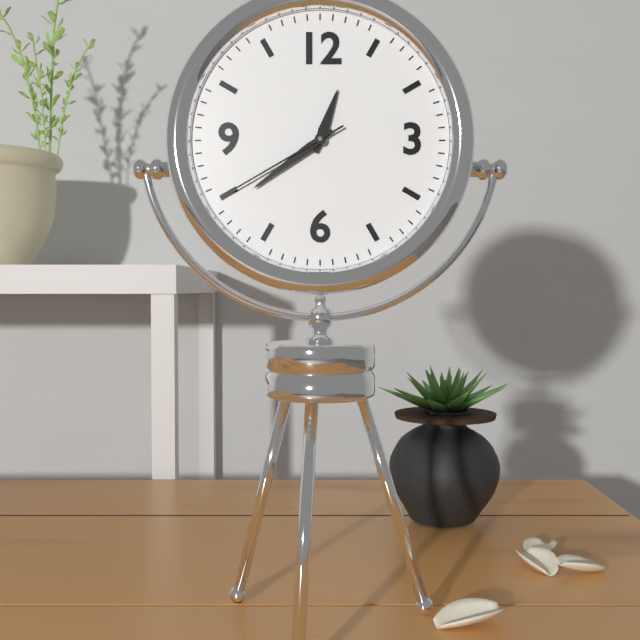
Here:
h=12 m=39 s=40
